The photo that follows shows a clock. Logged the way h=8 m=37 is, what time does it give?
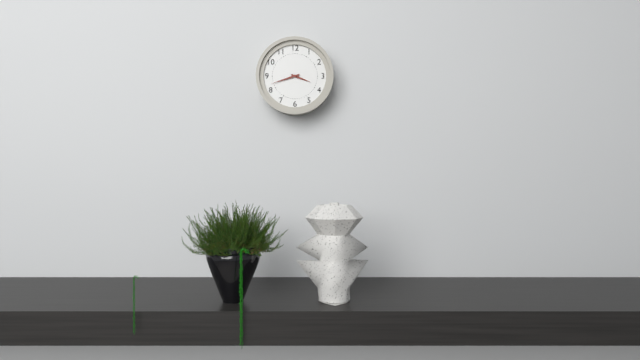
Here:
h=3 m=42
